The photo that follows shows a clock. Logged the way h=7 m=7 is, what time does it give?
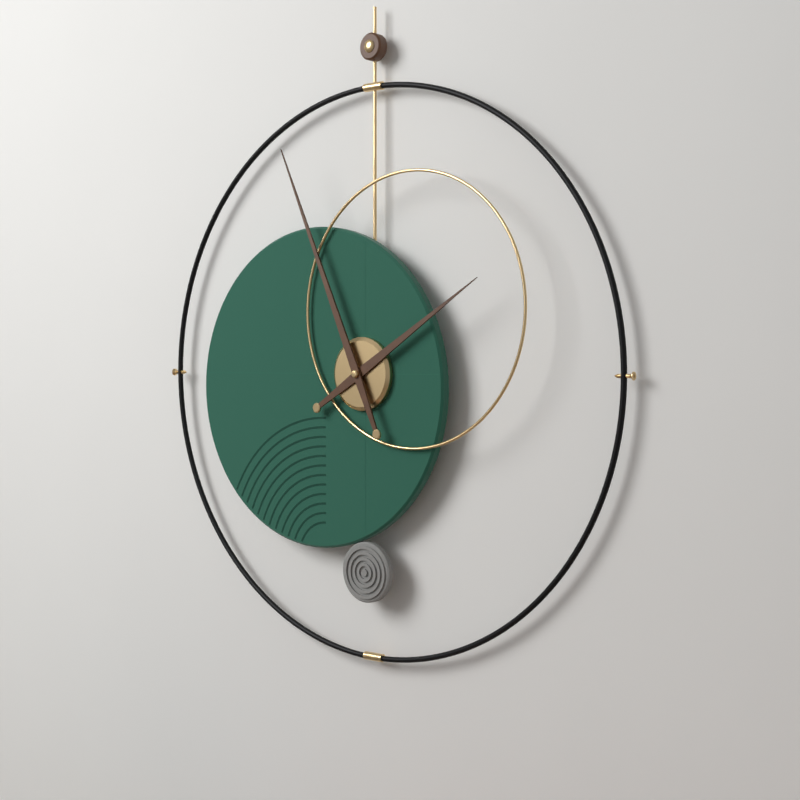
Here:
h=1 m=56
